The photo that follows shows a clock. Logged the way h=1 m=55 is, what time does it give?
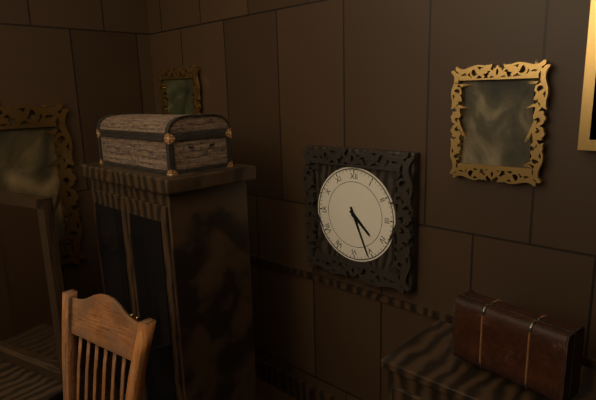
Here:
h=4 m=26
